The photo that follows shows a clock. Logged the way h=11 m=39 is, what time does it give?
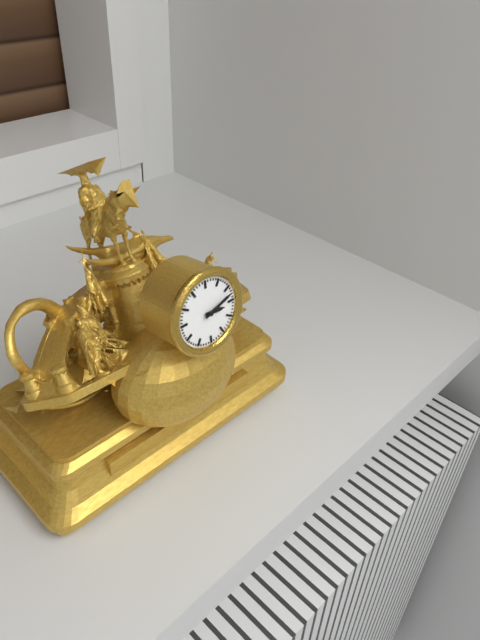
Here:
h=3 m=12
